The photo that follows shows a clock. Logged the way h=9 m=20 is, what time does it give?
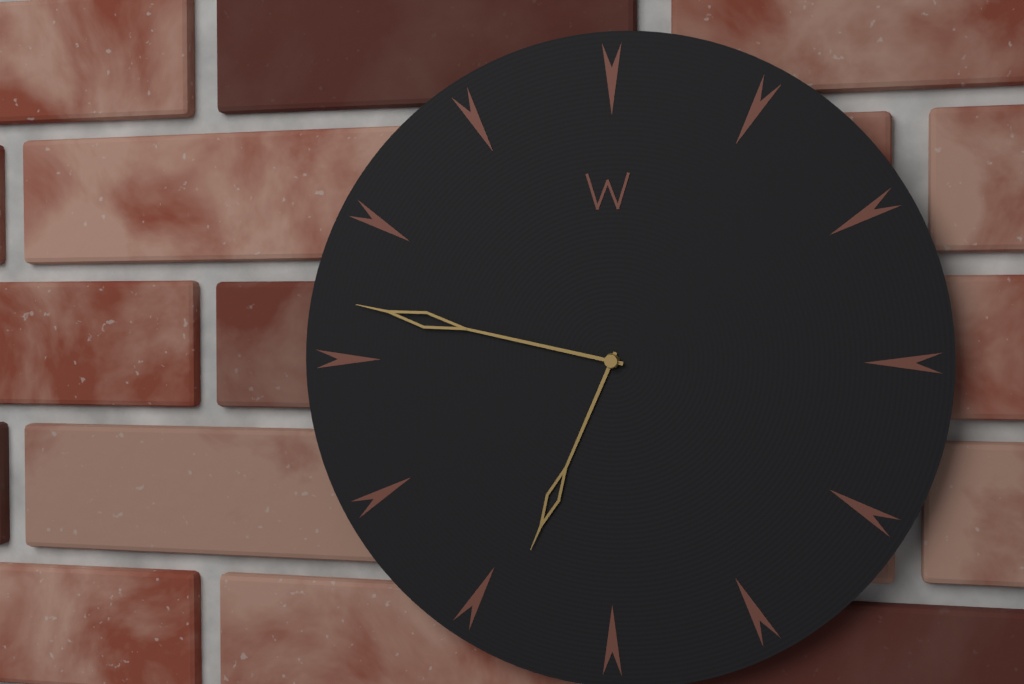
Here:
h=6 m=47
